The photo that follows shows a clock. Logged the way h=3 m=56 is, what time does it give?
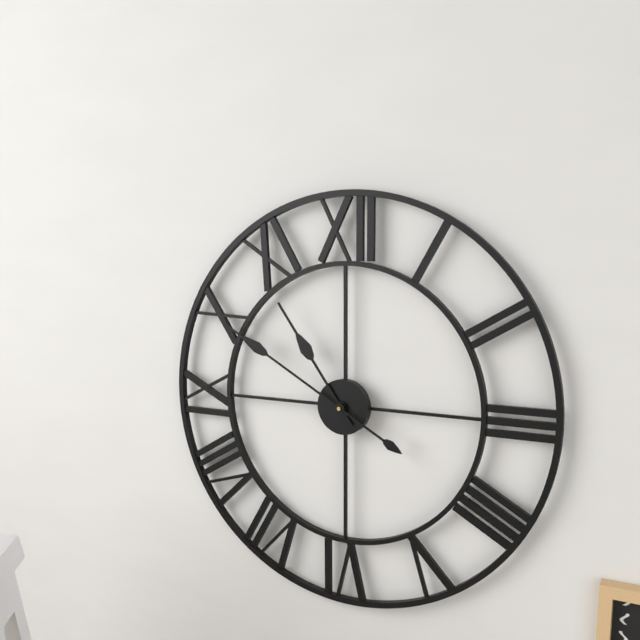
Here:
h=10 m=50
